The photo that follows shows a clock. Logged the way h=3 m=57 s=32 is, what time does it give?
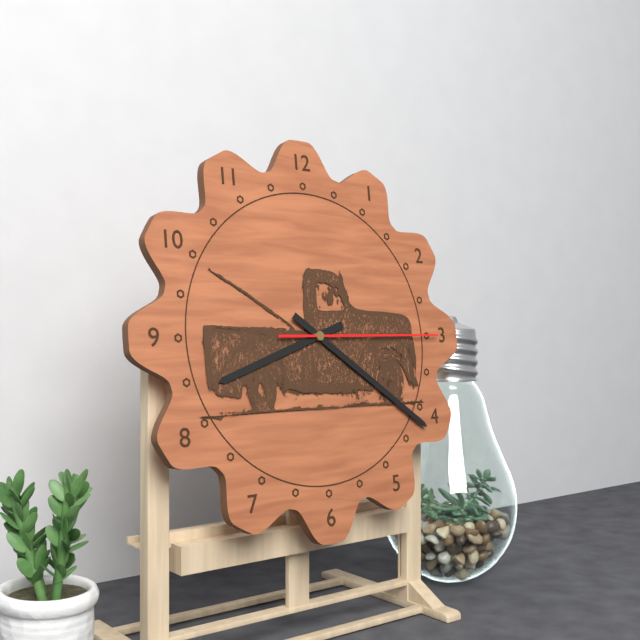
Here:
h=8 m=21 s=15
